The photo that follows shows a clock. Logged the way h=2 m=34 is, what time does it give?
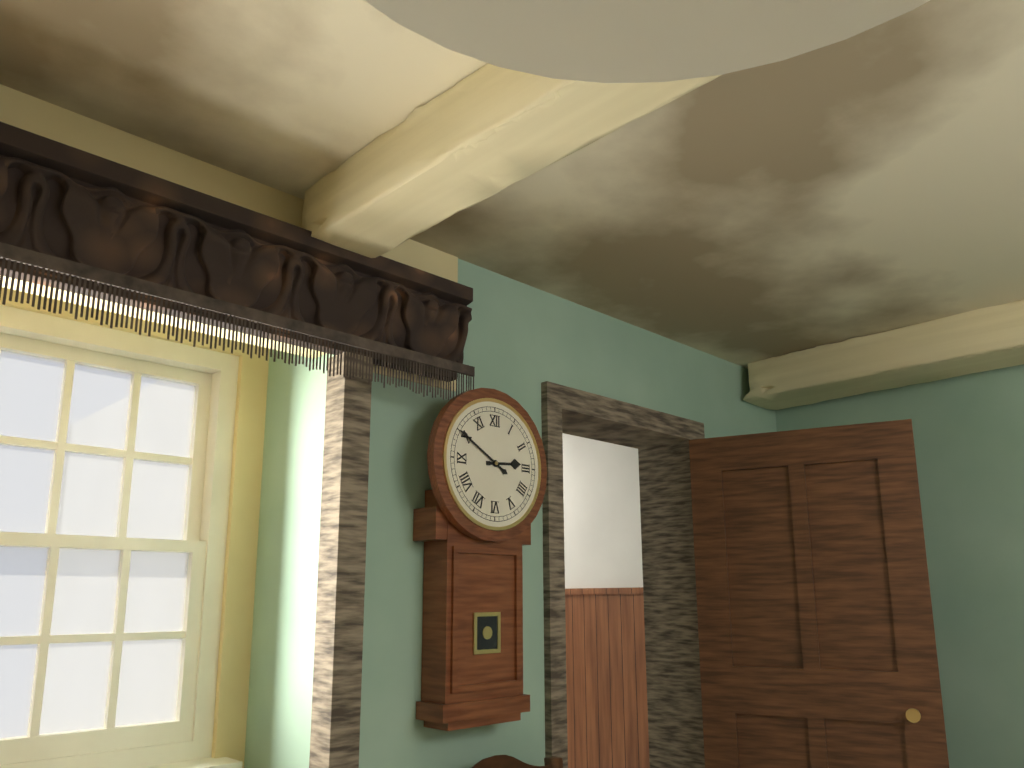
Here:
h=2 m=50
